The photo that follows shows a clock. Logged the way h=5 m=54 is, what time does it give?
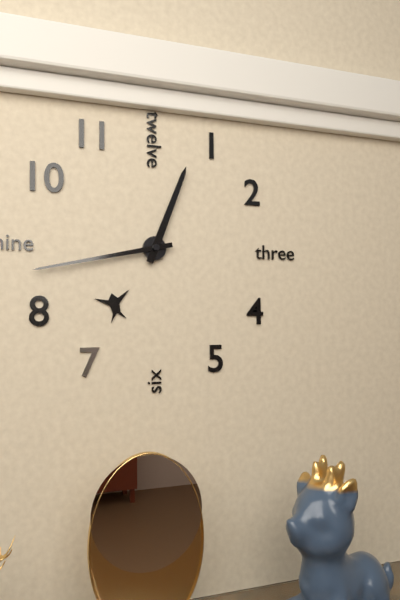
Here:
h=12 m=43
